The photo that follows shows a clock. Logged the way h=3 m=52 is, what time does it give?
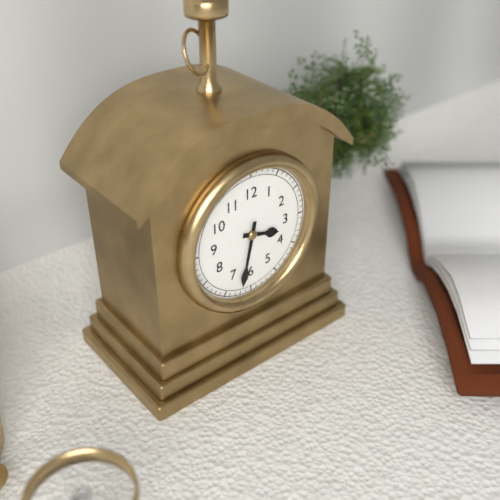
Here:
h=3 m=32
